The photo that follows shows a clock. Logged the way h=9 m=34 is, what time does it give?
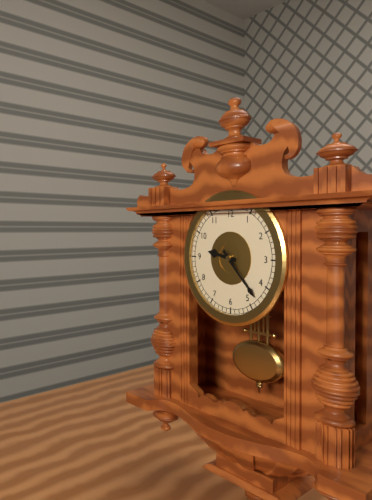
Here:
h=9 m=23
